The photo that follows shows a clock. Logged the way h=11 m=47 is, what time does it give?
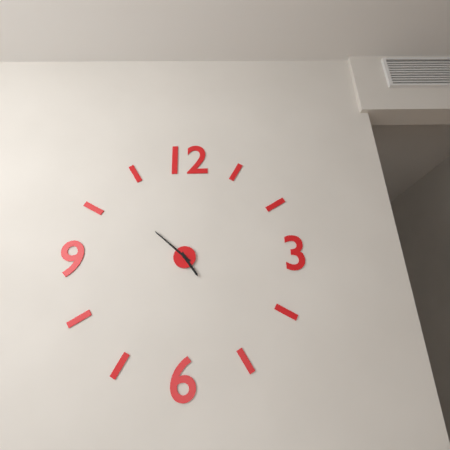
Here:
h=4 m=52
